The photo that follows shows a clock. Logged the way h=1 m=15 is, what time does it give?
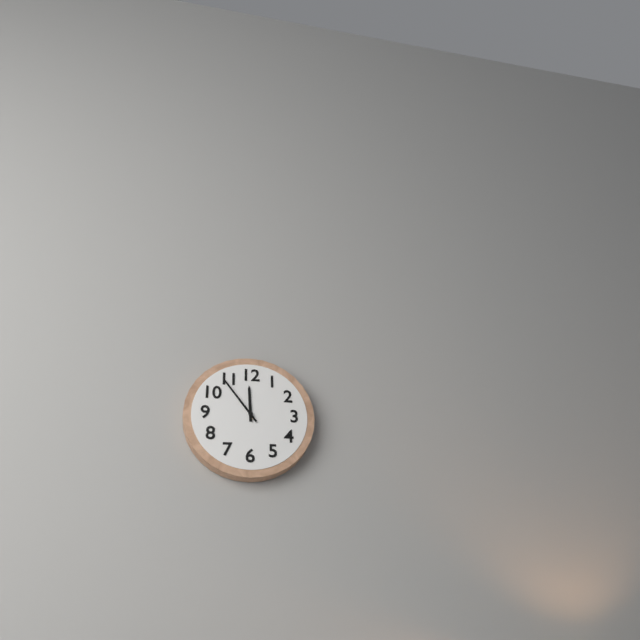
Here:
h=11 m=54
